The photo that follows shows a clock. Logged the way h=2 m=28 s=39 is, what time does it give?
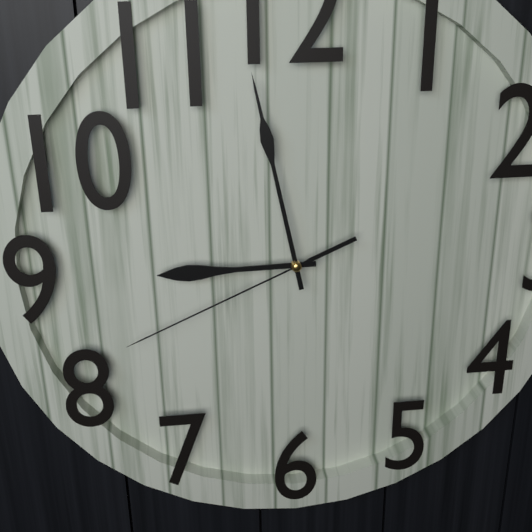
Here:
h=8 m=58 s=41
